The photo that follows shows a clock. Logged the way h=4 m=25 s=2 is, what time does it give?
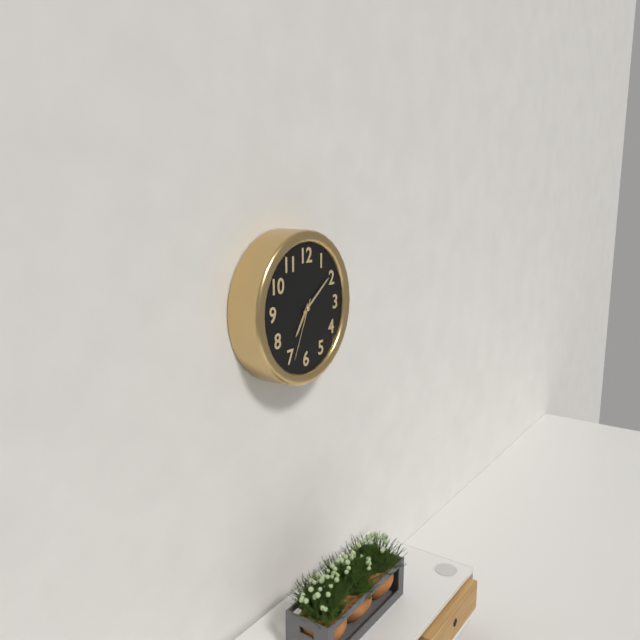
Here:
h=7 m=9 s=34
